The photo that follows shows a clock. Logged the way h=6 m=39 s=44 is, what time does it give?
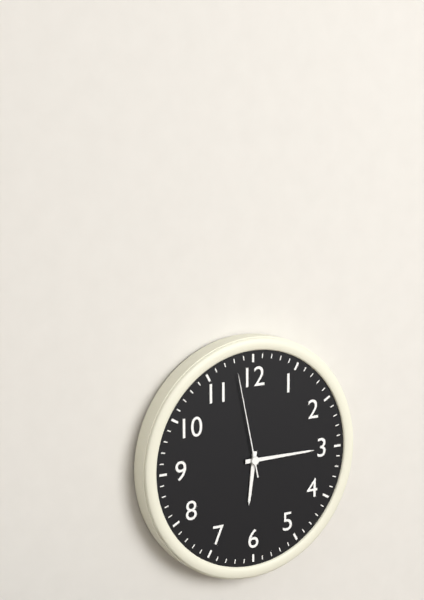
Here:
h=6 m=15 s=58
